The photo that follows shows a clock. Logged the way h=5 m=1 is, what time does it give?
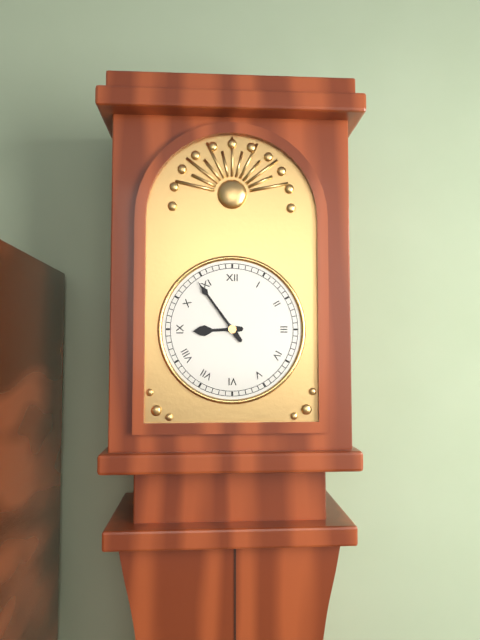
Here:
h=8 m=54
